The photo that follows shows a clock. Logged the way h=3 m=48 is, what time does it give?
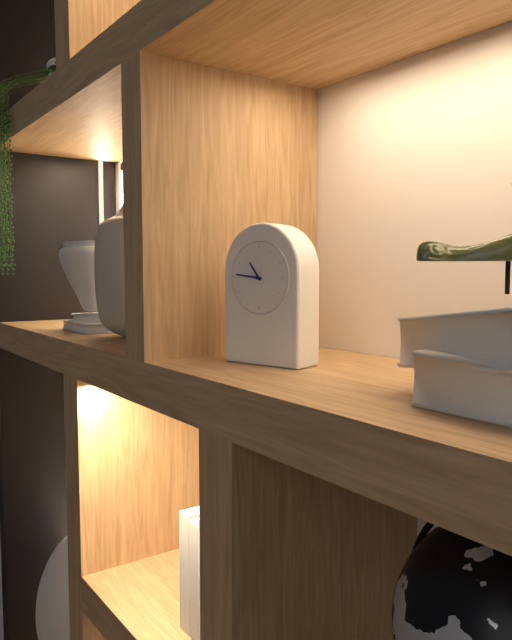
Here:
h=10 m=46
